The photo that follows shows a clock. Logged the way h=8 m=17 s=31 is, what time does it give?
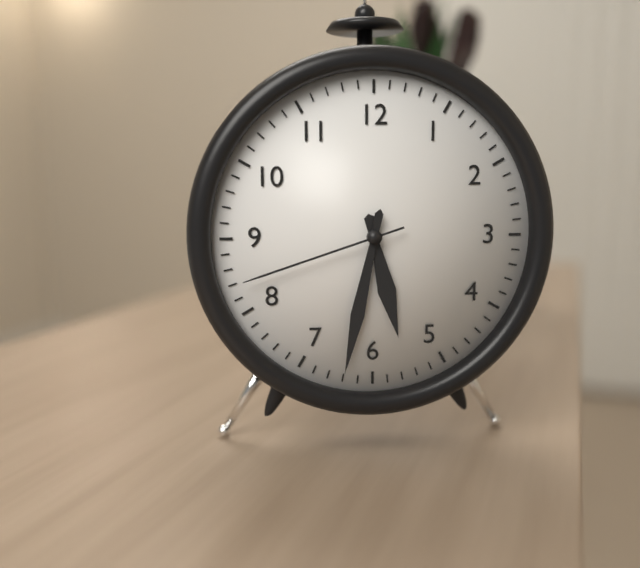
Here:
h=5 m=32 s=42
